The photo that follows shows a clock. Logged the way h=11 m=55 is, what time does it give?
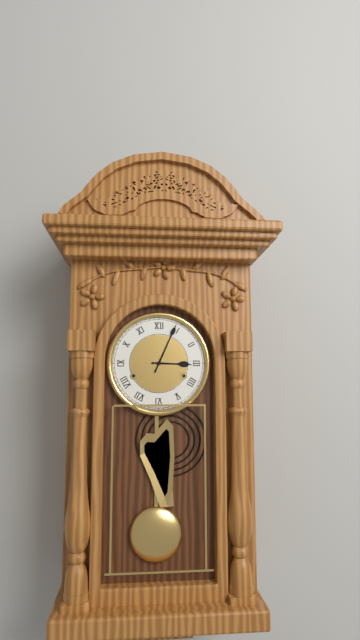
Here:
h=3 m=4
